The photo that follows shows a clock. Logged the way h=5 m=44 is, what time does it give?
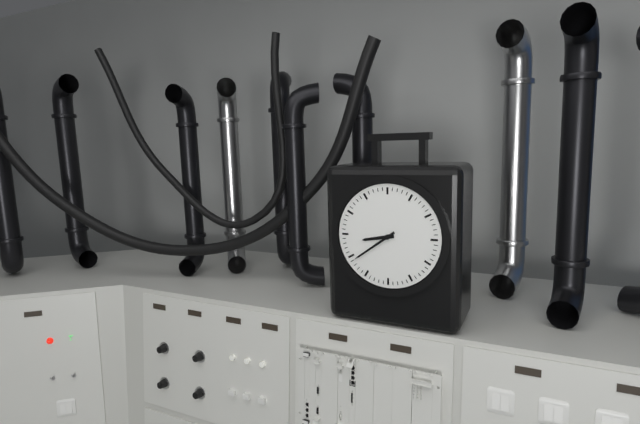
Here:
h=8 m=39
